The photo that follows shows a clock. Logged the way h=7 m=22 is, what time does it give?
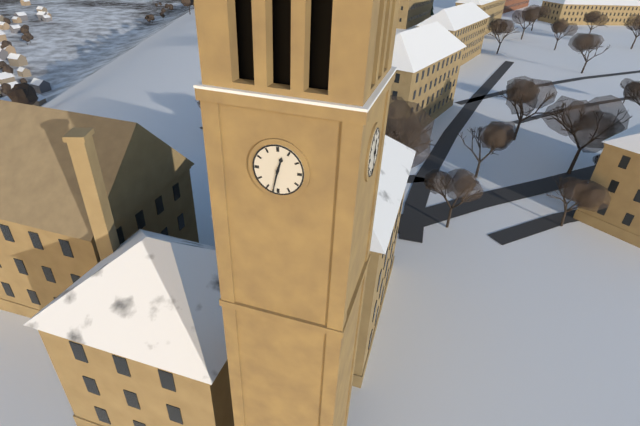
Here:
h=12 m=32
